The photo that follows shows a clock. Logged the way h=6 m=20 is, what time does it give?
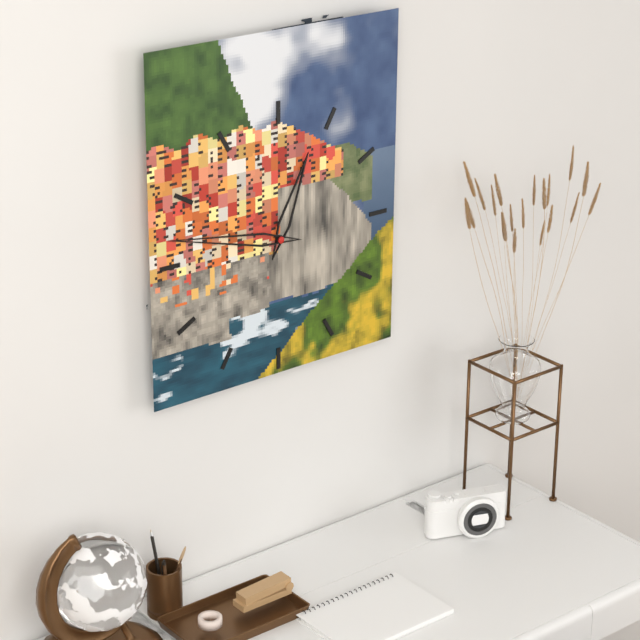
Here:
h=12 m=47
